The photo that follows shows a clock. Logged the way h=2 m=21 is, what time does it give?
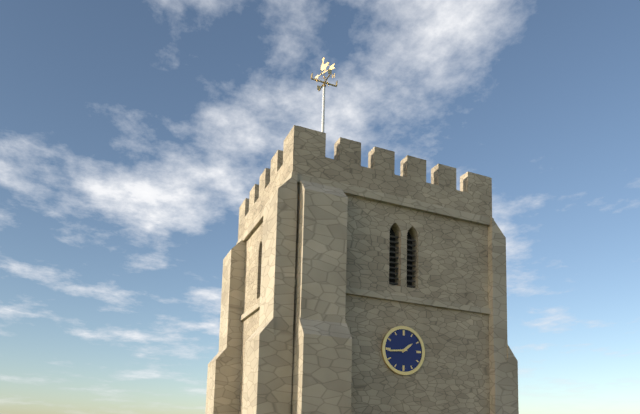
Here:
h=1 m=44
